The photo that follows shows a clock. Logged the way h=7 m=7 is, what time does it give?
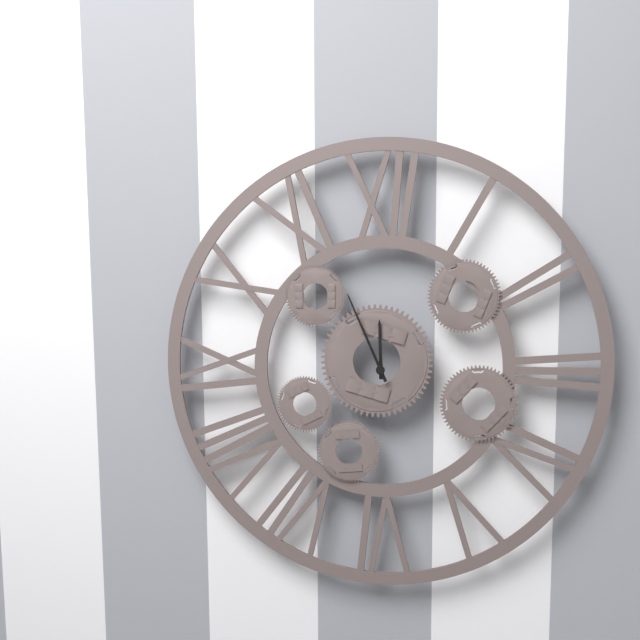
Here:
h=11 m=56
